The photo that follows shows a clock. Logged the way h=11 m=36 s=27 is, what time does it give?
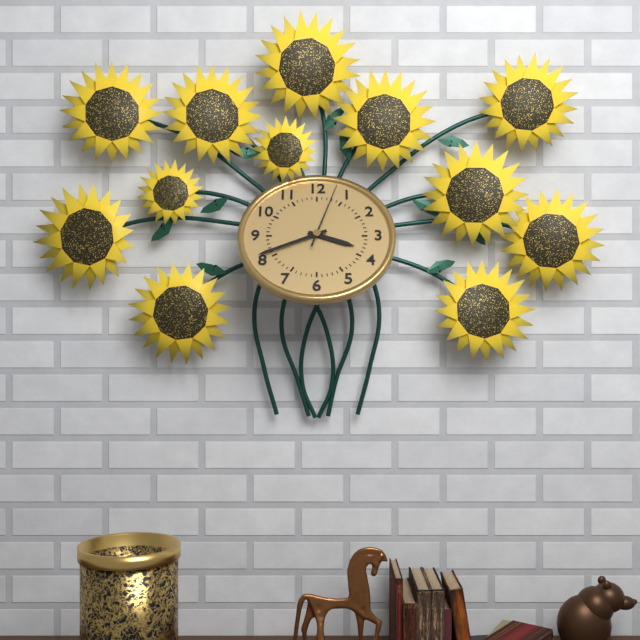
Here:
h=3 m=41 s=3
